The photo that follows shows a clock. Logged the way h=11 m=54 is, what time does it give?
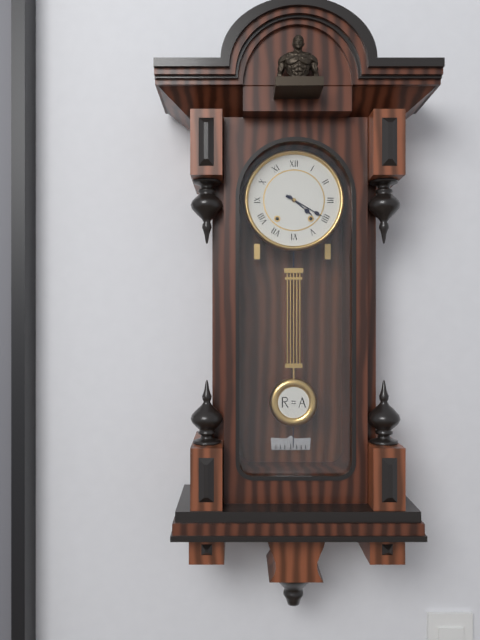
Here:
h=4 m=20
